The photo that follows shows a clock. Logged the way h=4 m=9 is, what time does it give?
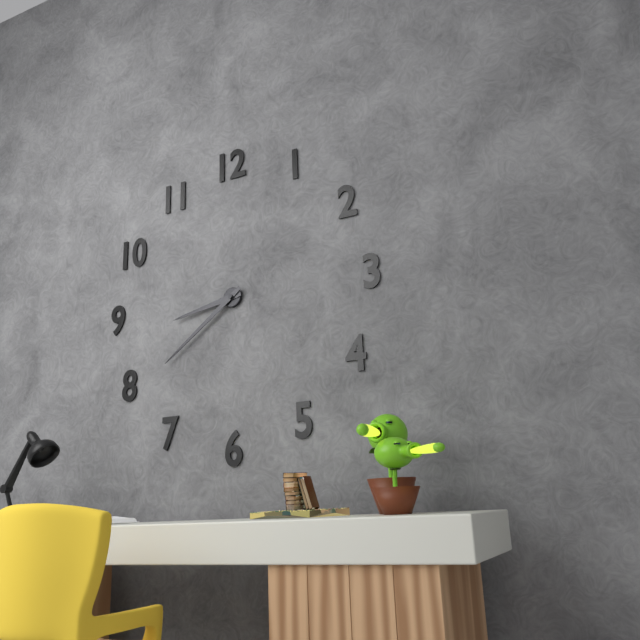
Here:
h=8 m=39
